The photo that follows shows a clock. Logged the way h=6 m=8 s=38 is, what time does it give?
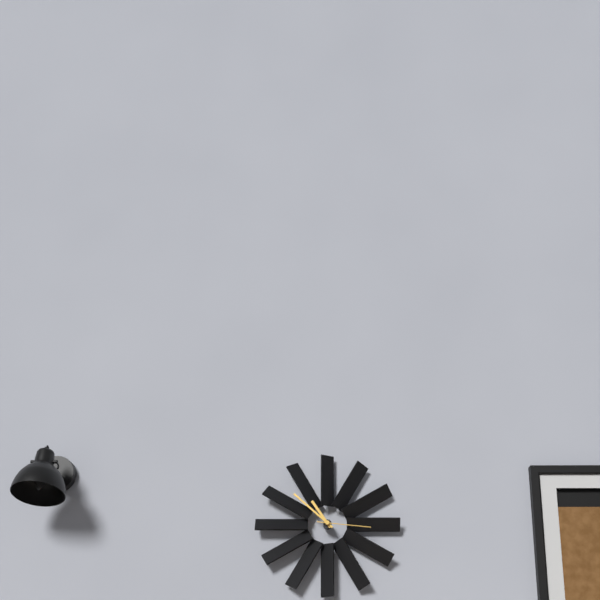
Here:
h=10 m=52 s=16
